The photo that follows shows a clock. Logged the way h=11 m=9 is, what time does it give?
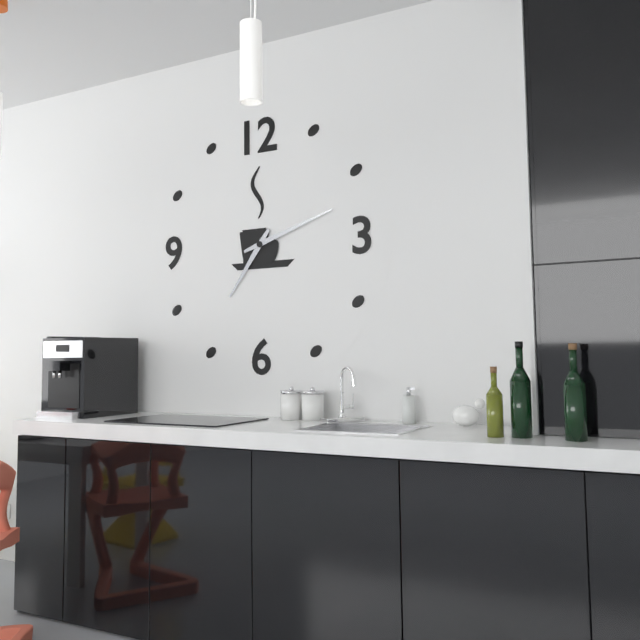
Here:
h=7 m=12
